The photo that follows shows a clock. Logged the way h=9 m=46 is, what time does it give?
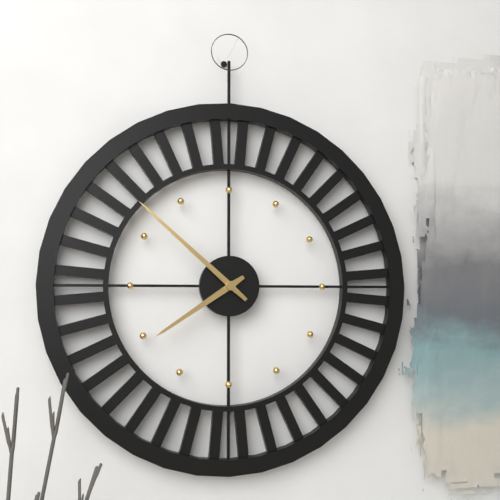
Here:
h=7 m=52
